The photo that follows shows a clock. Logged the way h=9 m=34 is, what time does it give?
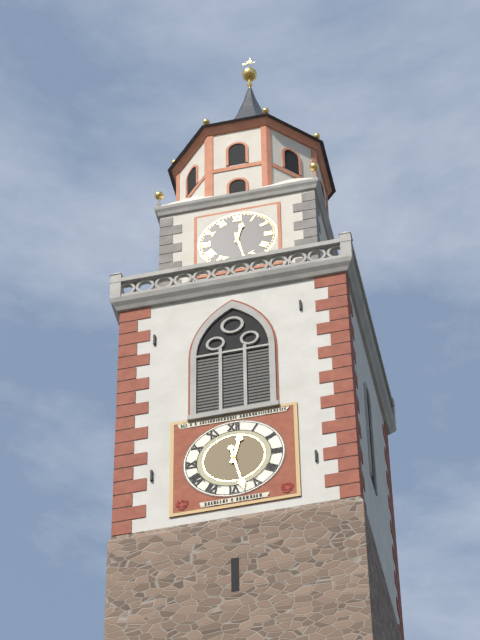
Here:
h=12 m=28
